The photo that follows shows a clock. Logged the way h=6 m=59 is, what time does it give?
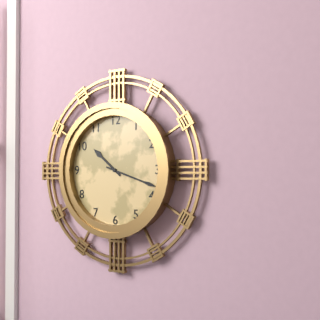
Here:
h=10 m=18
